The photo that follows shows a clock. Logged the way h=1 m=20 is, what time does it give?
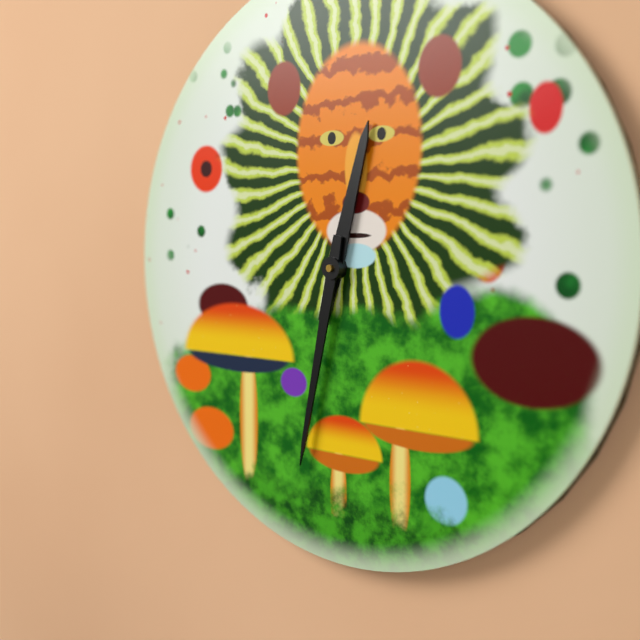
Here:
h=12 m=32
